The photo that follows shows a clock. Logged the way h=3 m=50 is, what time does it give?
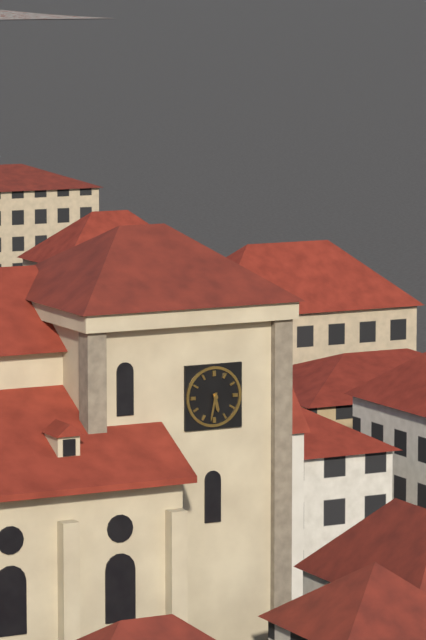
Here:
h=5 m=32
